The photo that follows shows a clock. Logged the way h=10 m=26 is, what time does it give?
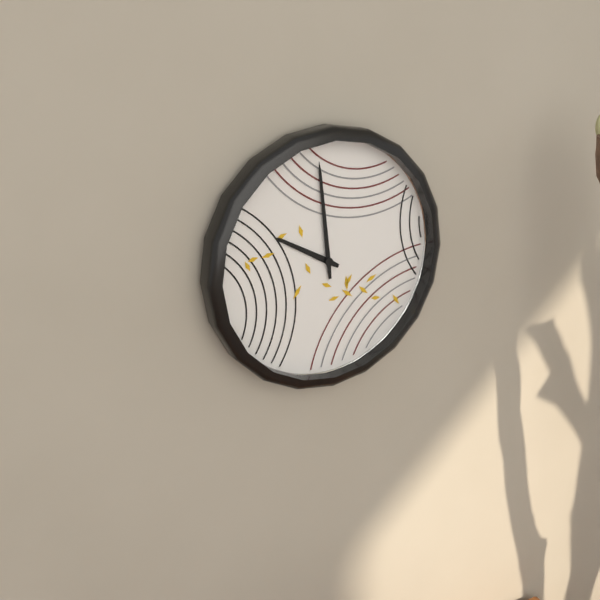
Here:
h=9 m=59
